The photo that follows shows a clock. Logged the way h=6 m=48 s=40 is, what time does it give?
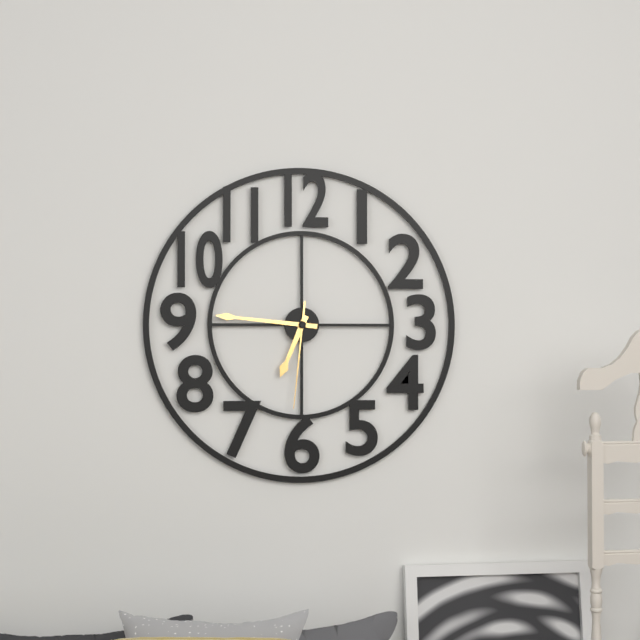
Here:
h=6 m=46 s=31
